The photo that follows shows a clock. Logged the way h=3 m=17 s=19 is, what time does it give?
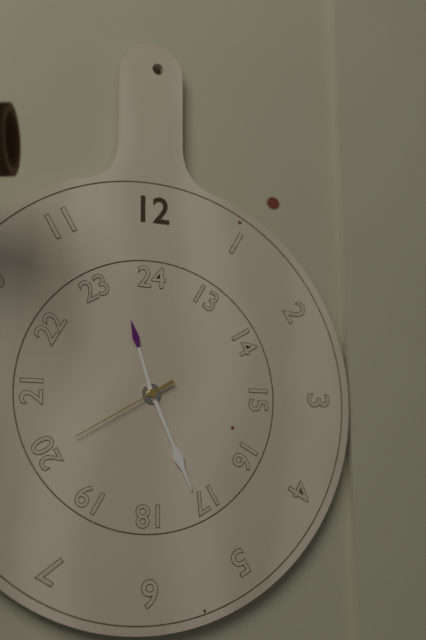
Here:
h=11 m=26 s=40
